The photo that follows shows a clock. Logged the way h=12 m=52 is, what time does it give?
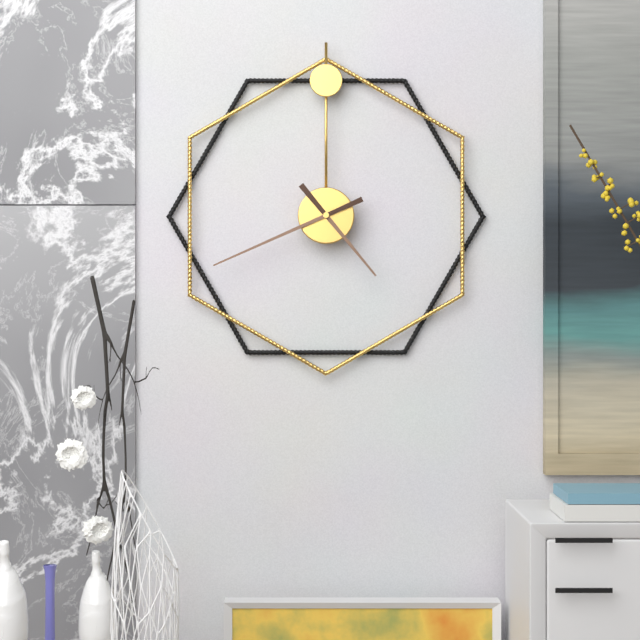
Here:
h=4 m=41
